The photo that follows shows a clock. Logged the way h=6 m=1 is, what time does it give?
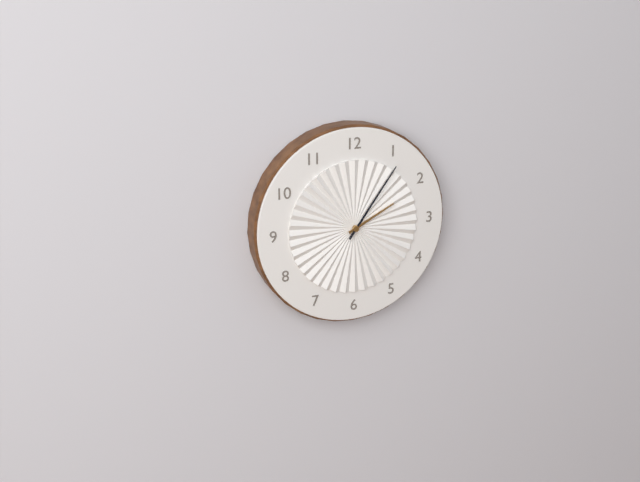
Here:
h=2 m=6
